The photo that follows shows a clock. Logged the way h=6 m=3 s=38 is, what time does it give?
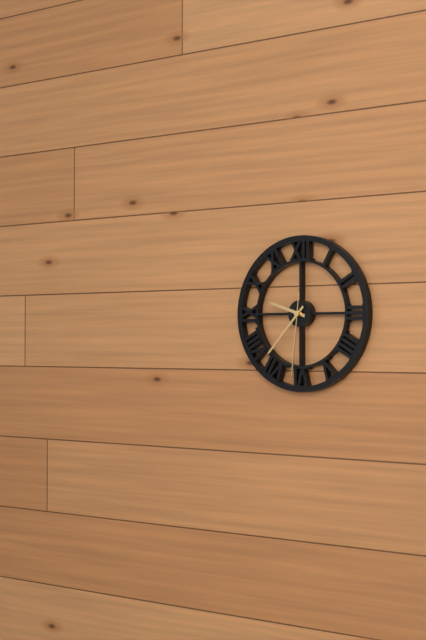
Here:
h=9 m=37 s=31
